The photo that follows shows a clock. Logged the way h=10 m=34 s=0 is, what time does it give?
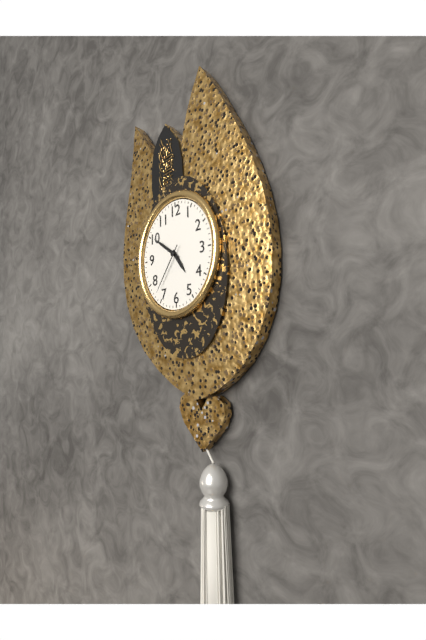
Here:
h=4 m=51 s=36
